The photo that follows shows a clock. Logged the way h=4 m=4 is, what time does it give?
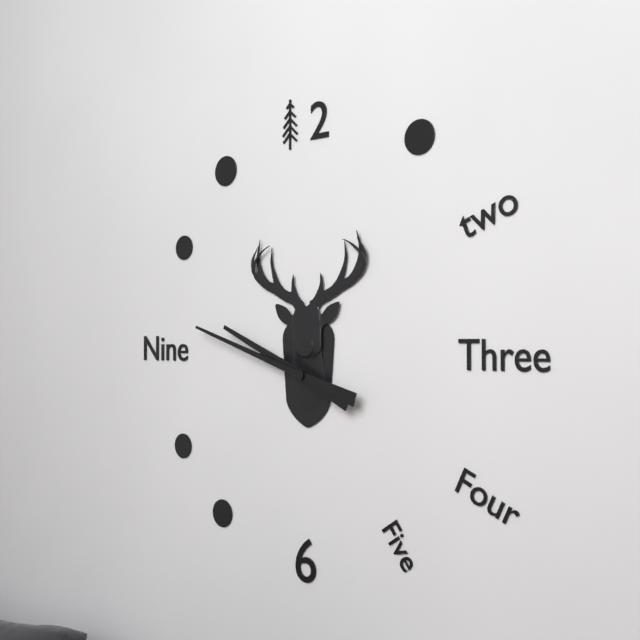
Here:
h=9 m=48
